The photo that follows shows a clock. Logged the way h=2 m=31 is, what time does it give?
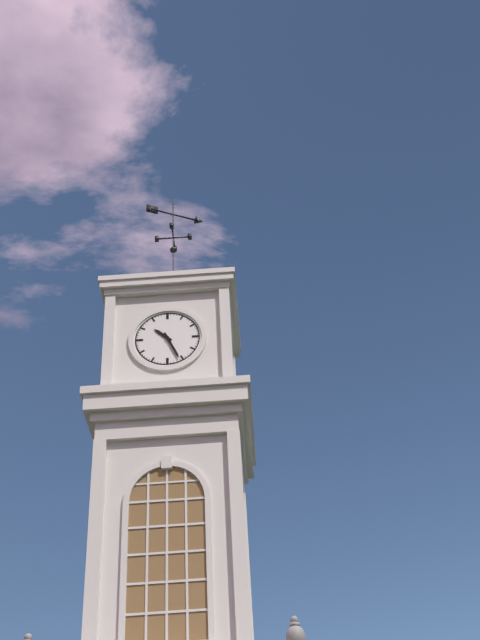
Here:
h=10 m=26
